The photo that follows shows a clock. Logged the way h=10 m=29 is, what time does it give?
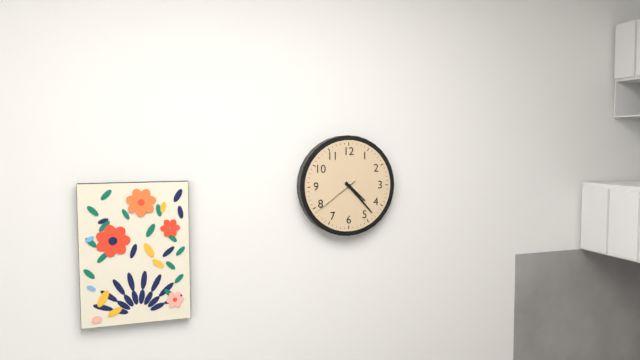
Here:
h=4 m=23
